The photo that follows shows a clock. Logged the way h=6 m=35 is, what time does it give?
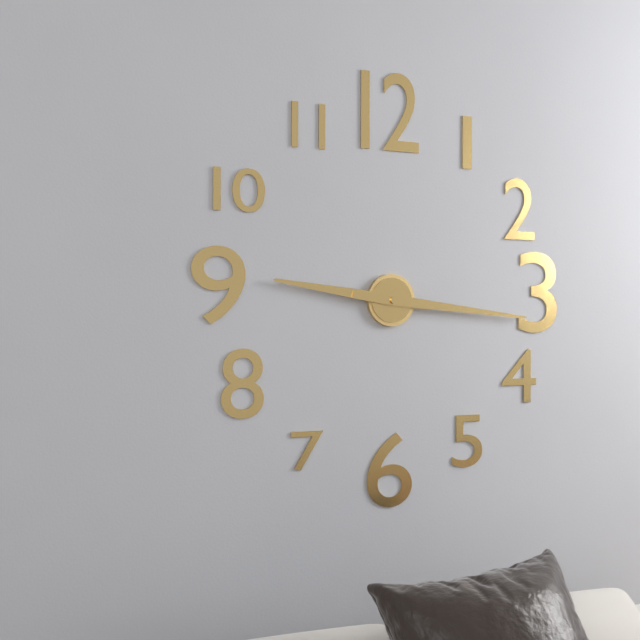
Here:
h=9 m=16
